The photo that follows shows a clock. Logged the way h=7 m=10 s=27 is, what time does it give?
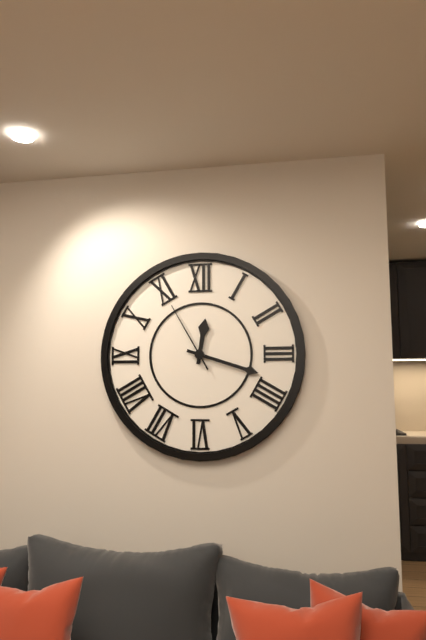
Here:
h=12 m=18 s=55
